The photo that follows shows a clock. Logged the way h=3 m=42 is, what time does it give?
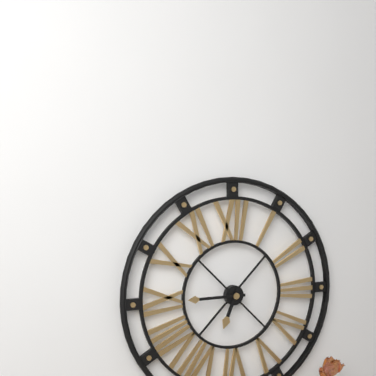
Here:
h=6 m=45
